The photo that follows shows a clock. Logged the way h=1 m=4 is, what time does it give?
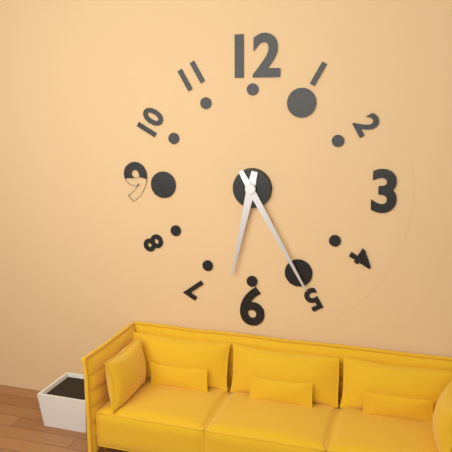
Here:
h=6 m=25
